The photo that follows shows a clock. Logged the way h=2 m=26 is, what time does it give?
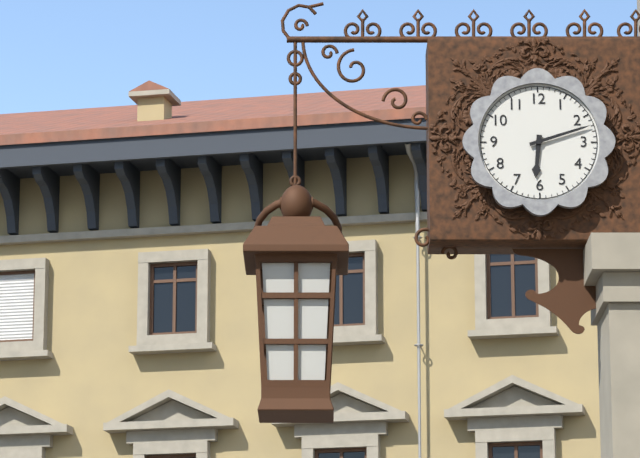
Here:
h=6 m=12
